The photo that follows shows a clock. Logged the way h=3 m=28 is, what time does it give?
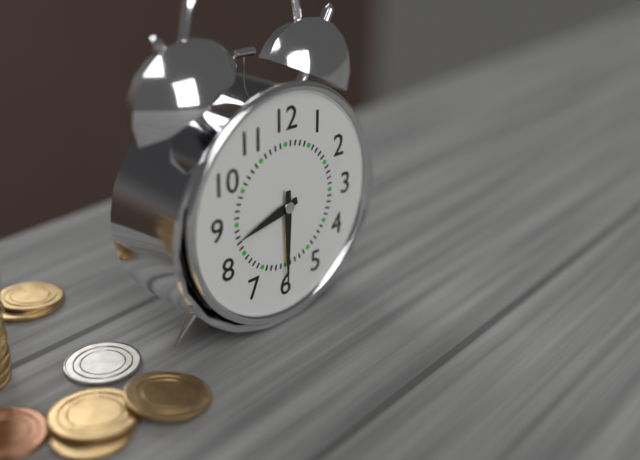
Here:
h=8 m=30
